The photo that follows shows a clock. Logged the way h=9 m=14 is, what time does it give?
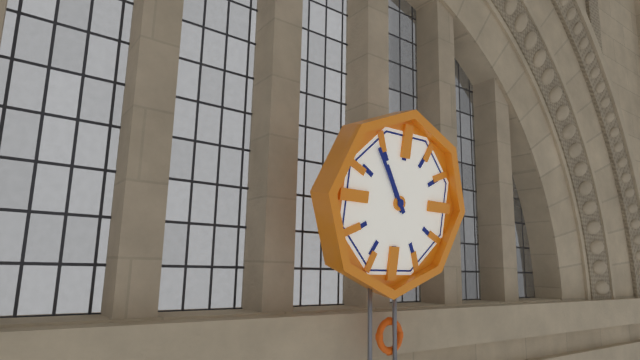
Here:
h=10 m=54
